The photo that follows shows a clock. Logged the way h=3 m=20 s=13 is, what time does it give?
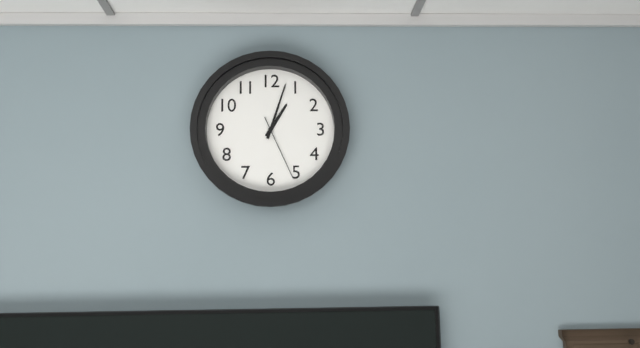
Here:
h=1 m=3 s=26
